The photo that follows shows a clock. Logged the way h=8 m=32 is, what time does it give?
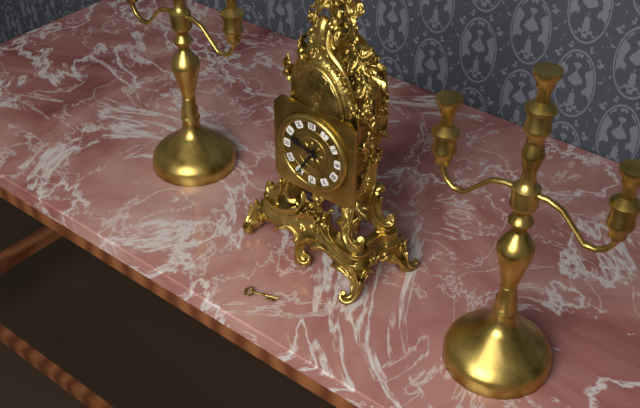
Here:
h=9 m=35
